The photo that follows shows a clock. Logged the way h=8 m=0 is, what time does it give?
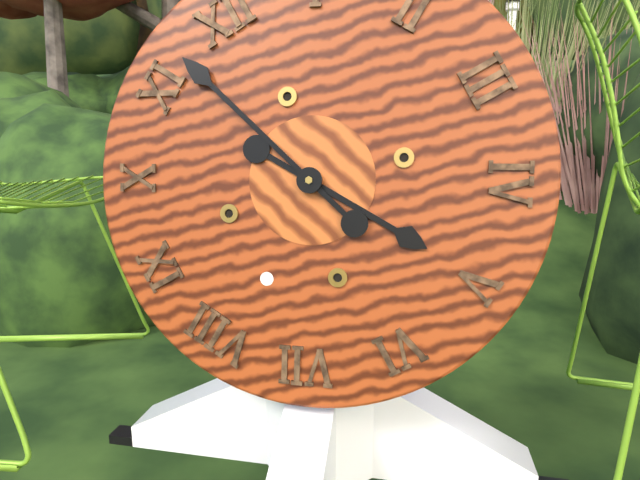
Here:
h=4 m=57
